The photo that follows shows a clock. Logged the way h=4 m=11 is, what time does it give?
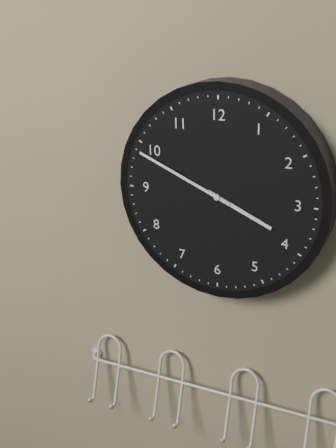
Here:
h=3 m=49
